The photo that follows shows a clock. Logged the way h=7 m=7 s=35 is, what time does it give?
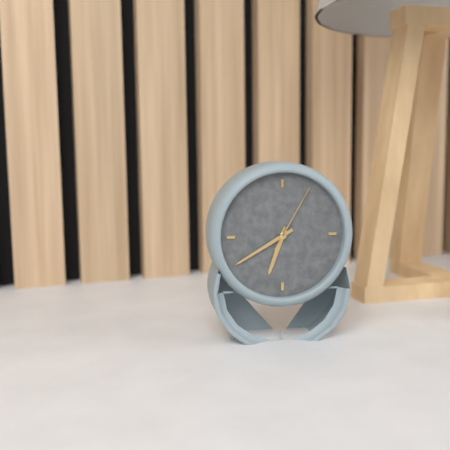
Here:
h=6 m=40 s=5
